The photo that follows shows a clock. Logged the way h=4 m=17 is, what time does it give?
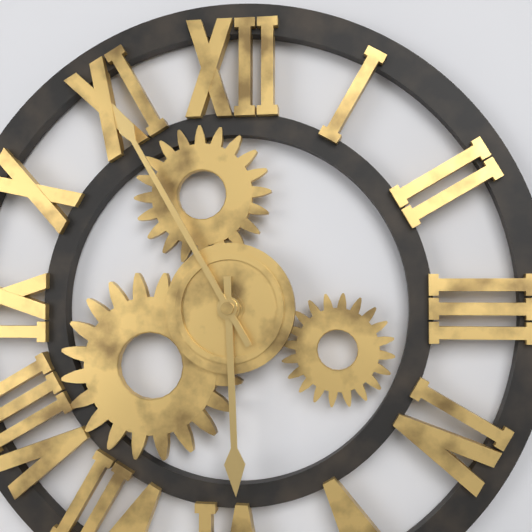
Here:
h=5 m=55
